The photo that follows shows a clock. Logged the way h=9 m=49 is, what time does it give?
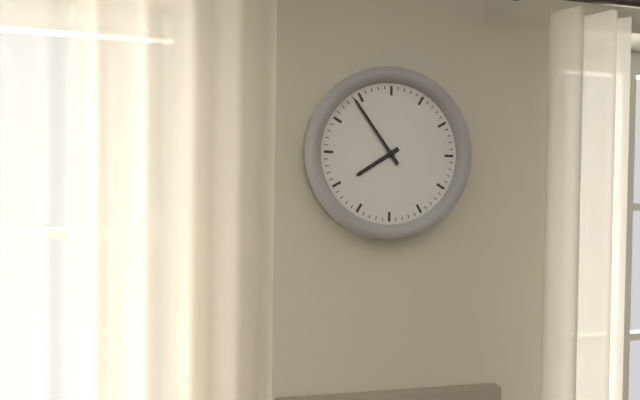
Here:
h=7 m=54
